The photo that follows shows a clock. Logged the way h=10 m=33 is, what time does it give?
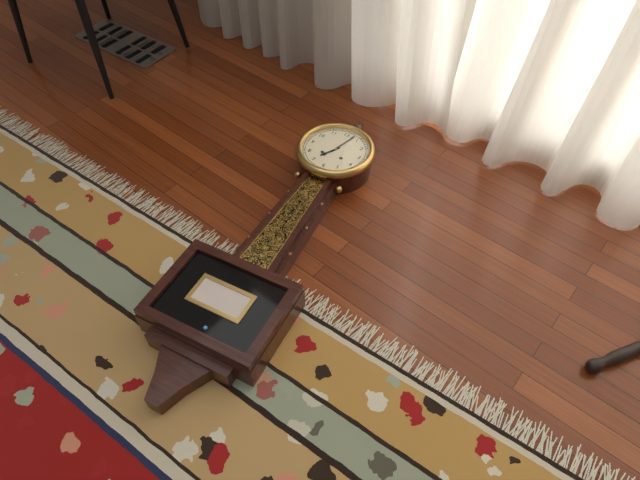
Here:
h=7 m=3
